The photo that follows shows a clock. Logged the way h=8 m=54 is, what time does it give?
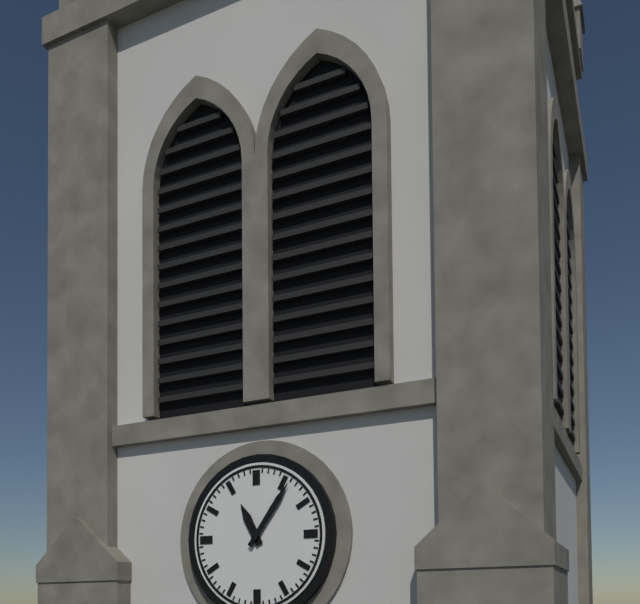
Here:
h=11 m=6
